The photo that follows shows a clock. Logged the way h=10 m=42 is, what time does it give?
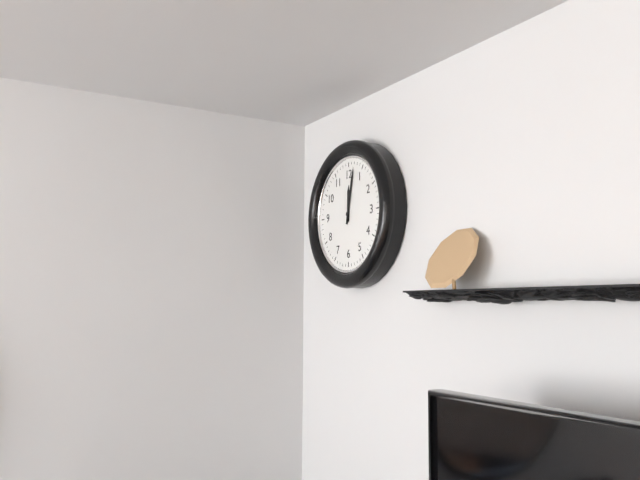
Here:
h=12 m=2
